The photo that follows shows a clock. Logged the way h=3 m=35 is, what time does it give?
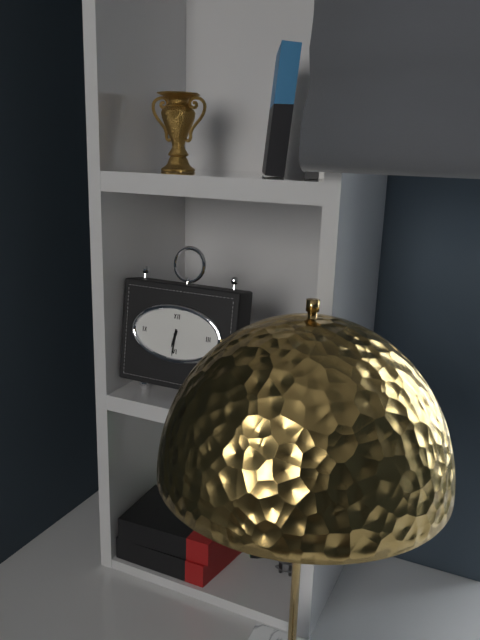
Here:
h=6 m=31
